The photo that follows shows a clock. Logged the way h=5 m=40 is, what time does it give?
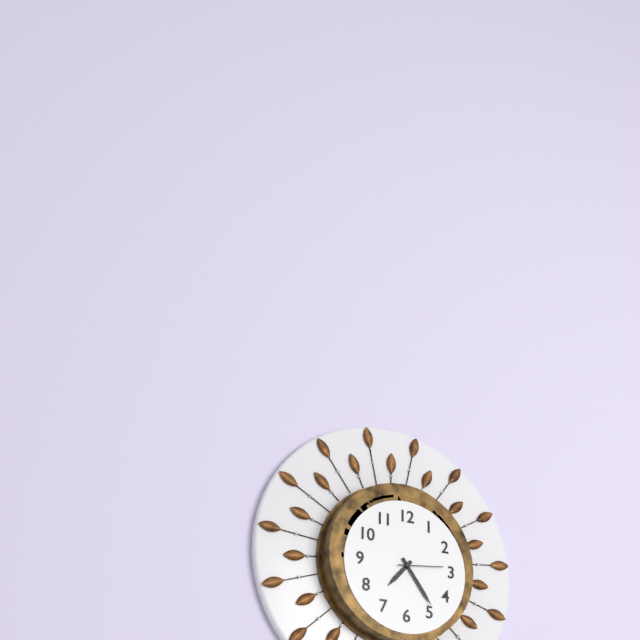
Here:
h=7 m=24
